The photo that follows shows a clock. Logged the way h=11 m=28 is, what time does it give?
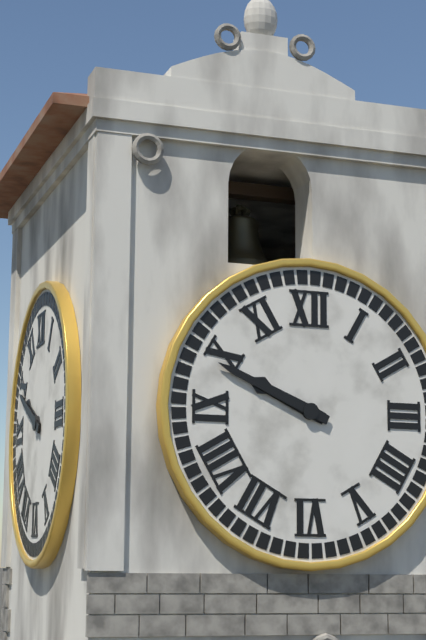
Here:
h=9 m=49
